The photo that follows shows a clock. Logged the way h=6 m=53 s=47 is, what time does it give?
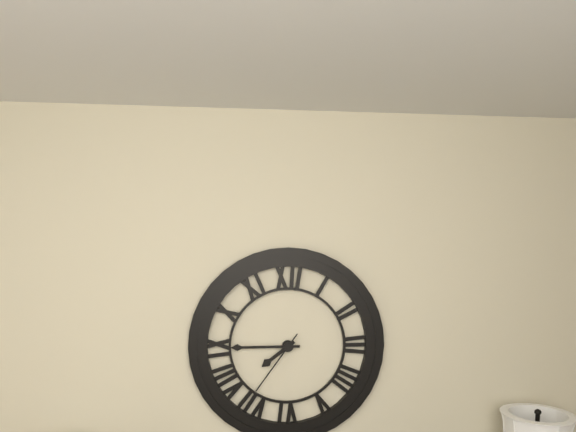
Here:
h=7 m=45 s=36
